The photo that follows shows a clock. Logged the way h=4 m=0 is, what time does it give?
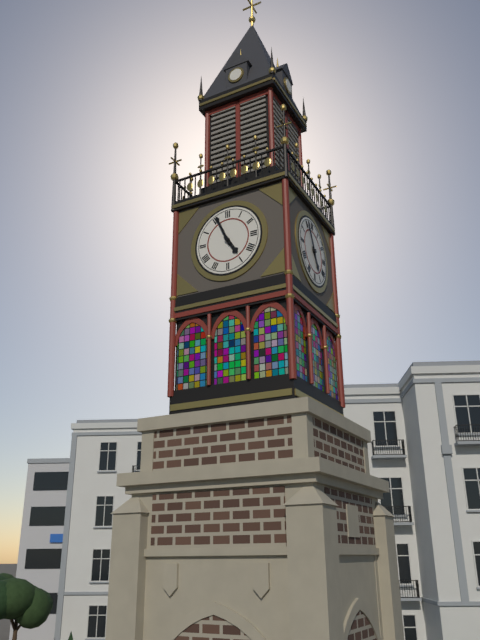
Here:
h=4 m=56
